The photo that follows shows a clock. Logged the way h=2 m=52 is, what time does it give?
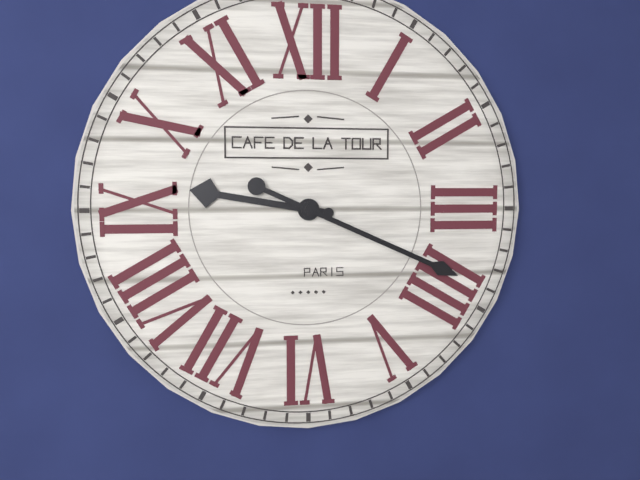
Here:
h=9 m=19
